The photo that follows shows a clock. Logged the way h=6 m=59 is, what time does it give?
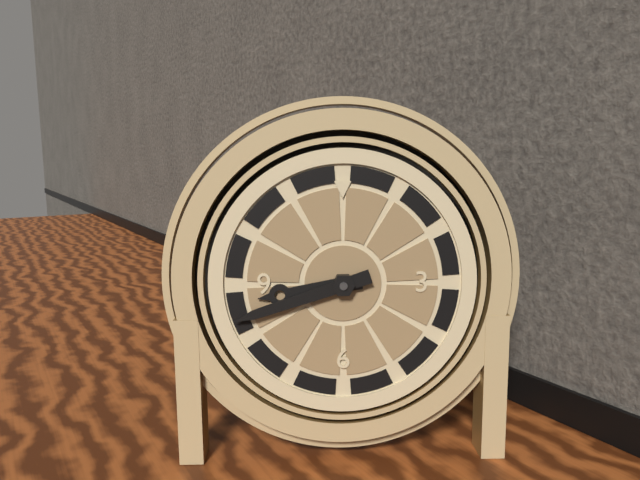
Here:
h=8 m=42
